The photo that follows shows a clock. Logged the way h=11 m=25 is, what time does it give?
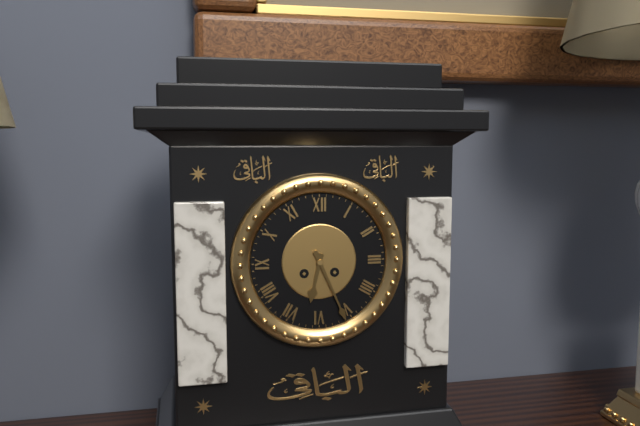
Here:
h=6 m=26
